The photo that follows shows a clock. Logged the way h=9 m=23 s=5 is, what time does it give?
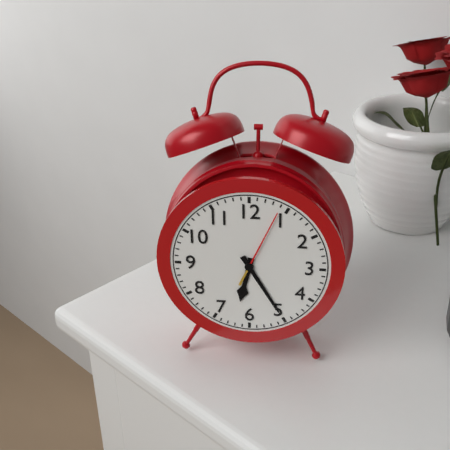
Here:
h=6 m=25 s=4
